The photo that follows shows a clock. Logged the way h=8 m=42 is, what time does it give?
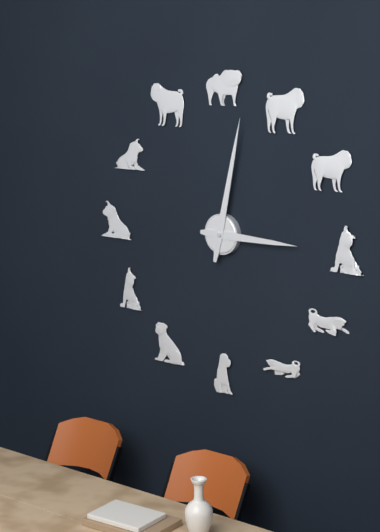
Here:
h=3 m=2
